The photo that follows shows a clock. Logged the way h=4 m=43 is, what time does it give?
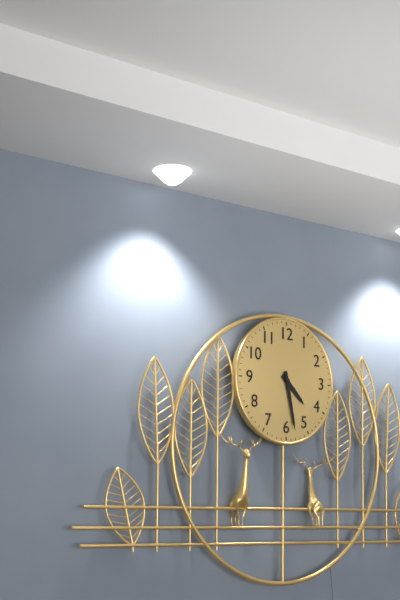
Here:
h=4 m=28
